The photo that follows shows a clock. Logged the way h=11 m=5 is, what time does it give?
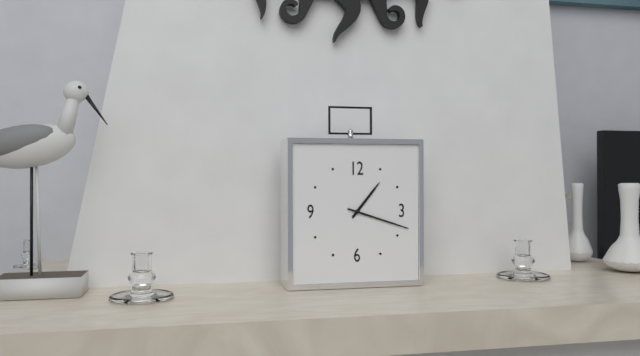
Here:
h=1 m=18
